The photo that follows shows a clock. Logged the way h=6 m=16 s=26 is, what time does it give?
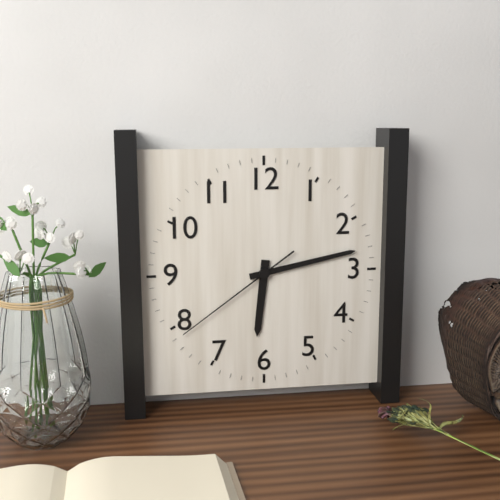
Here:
h=6 m=13 s=39
